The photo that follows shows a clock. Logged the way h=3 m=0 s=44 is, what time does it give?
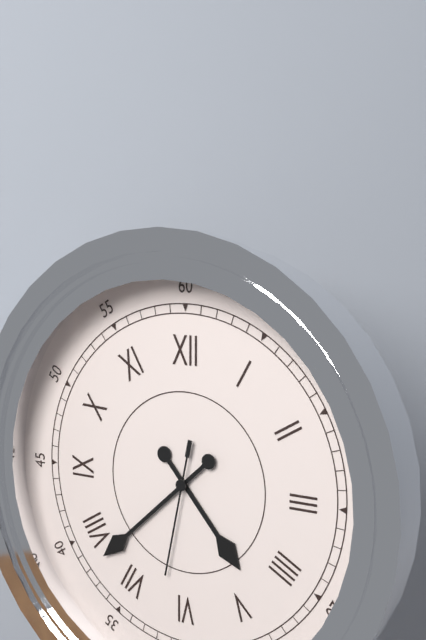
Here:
h=4 m=38 s=32
